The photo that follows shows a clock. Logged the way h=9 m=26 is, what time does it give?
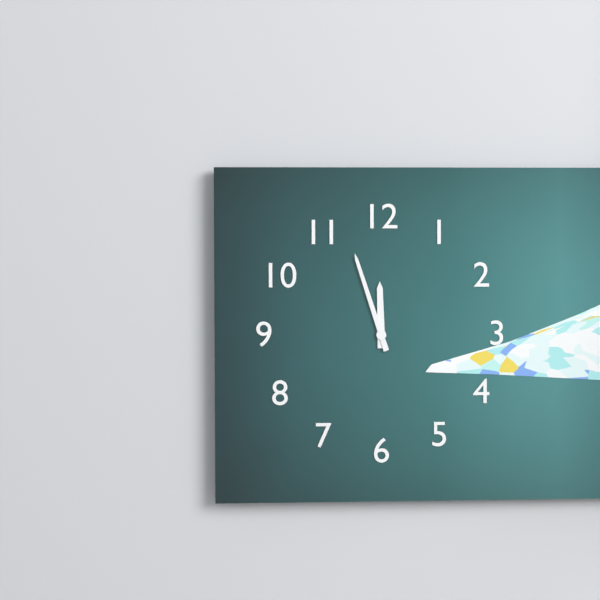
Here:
h=11 m=57
